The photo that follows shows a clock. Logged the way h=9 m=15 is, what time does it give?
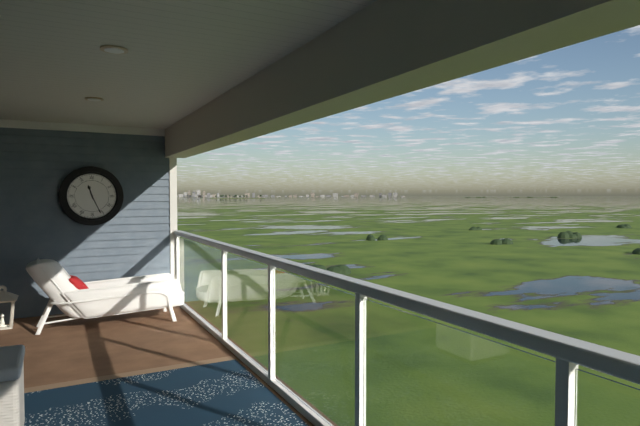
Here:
h=11 m=26
